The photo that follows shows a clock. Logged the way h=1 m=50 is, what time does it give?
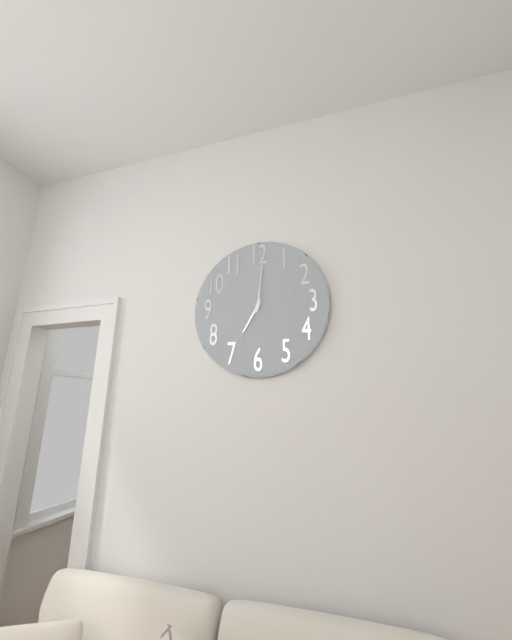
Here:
h=7 m=1
